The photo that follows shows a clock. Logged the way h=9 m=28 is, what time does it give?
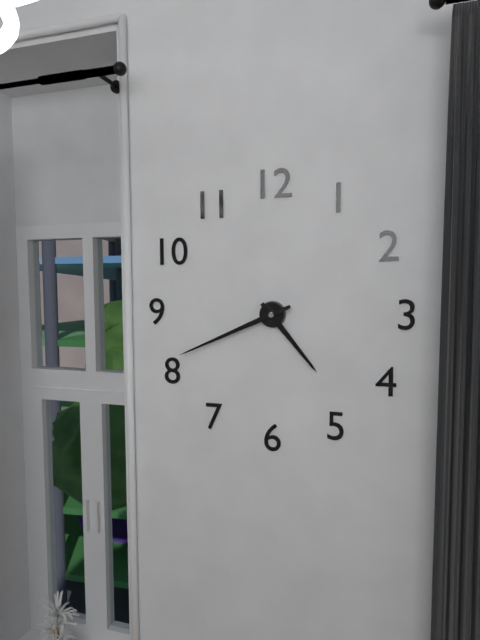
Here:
h=4 m=41
